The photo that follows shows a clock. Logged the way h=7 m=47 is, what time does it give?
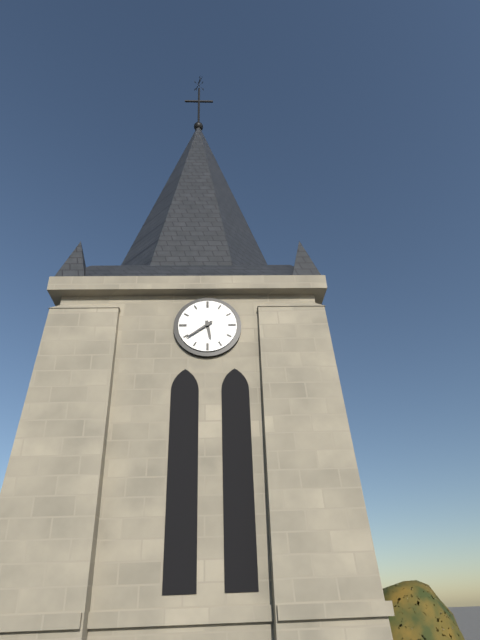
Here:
h=5 m=39
